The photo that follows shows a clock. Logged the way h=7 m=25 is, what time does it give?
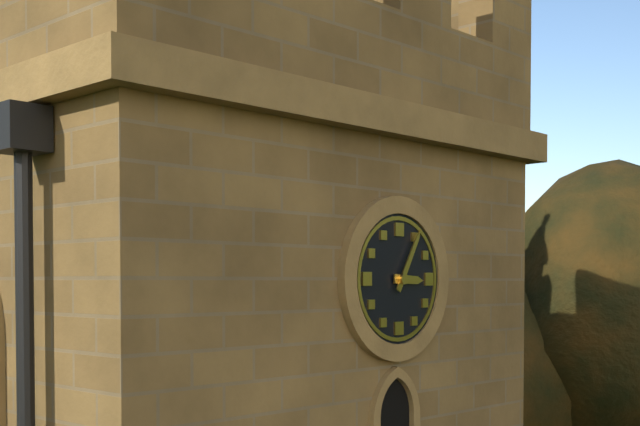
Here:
h=3 m=5
